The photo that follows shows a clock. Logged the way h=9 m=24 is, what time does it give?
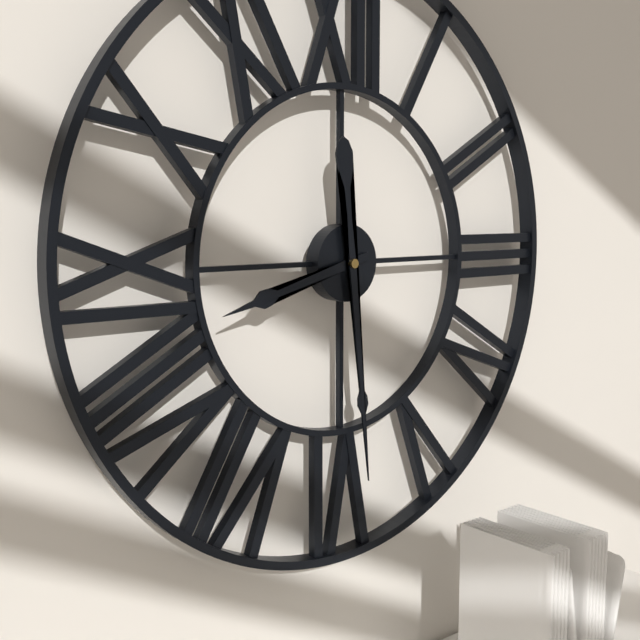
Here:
h=8 m=29
